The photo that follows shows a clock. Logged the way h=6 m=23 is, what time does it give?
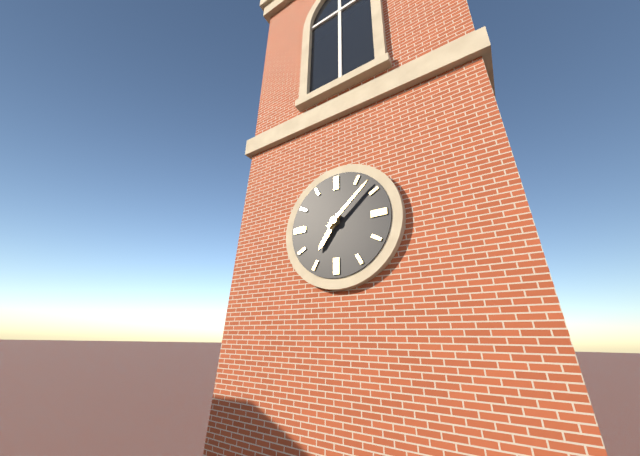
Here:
h=7 m=8
